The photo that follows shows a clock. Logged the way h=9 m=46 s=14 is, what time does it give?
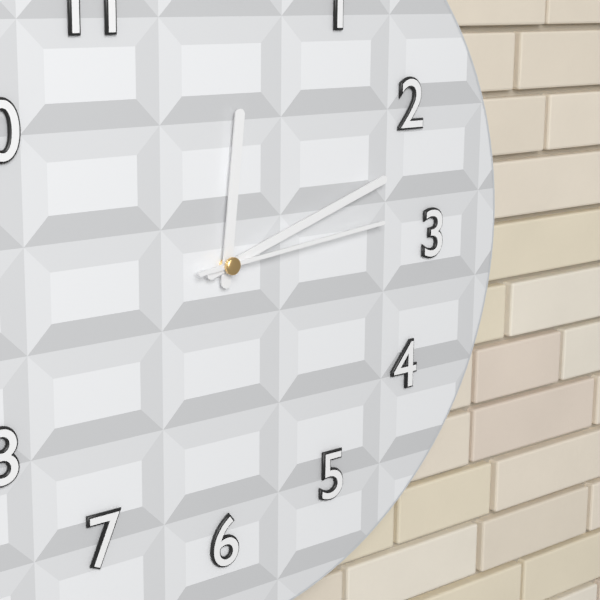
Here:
h=12 m=12 s=14
